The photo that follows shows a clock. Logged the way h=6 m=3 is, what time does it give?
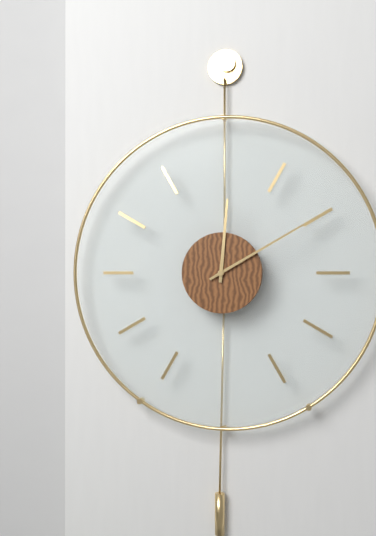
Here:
h=12 m=10
